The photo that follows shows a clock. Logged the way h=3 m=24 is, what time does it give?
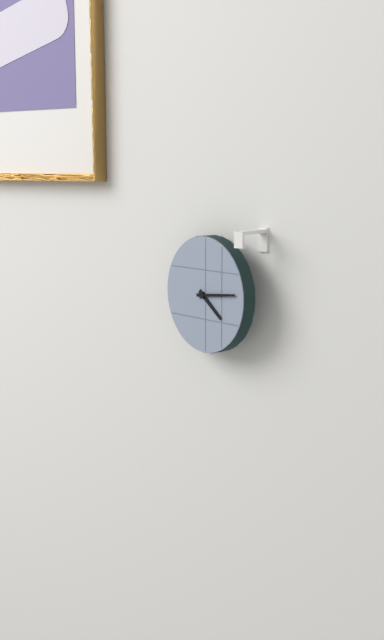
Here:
h=4 m=14
